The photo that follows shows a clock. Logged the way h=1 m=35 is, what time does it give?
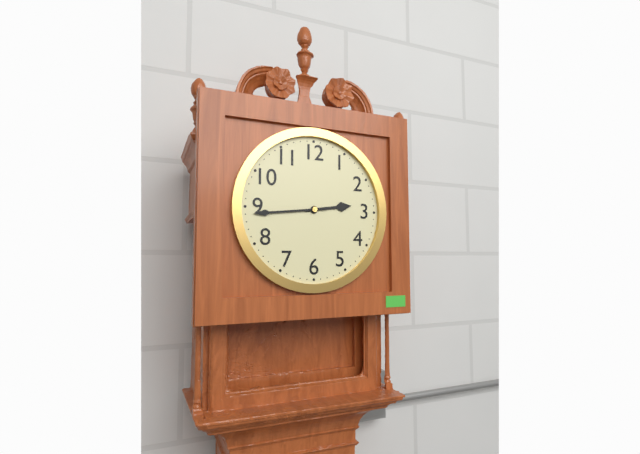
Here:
h=2 m=44
